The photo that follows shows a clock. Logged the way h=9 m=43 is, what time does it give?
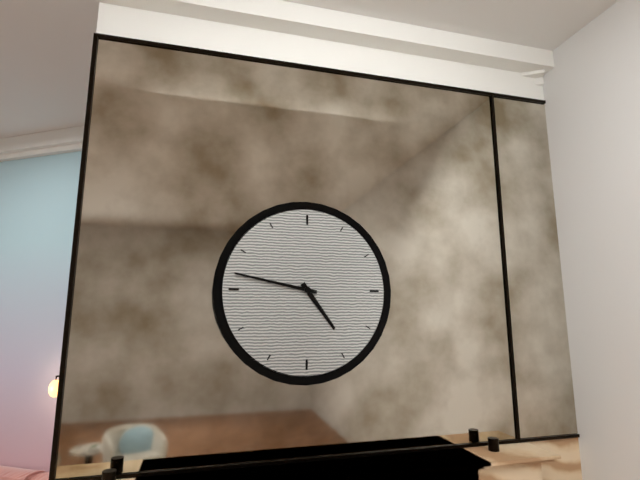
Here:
h=4 m=47
